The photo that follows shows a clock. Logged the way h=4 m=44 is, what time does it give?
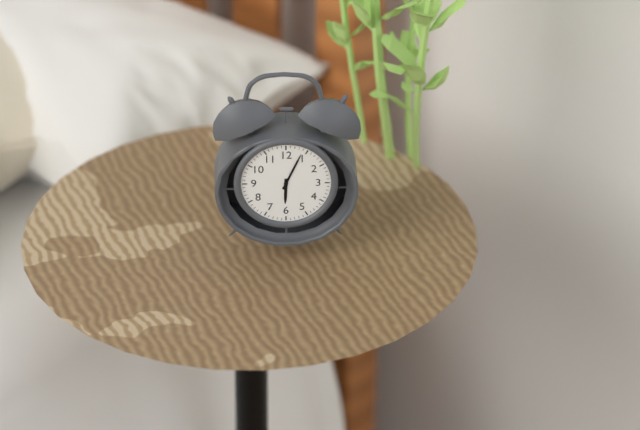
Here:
h=6 m=4
